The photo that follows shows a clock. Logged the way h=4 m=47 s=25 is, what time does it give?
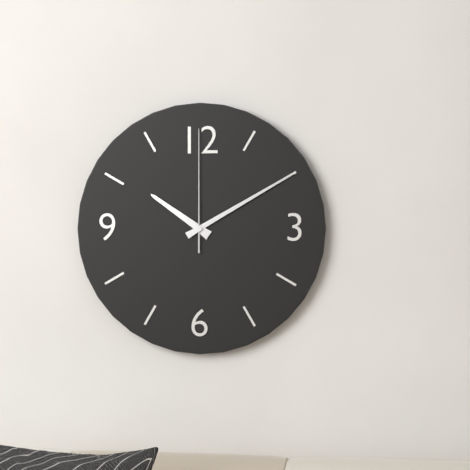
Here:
h=10 m=10 s=0
